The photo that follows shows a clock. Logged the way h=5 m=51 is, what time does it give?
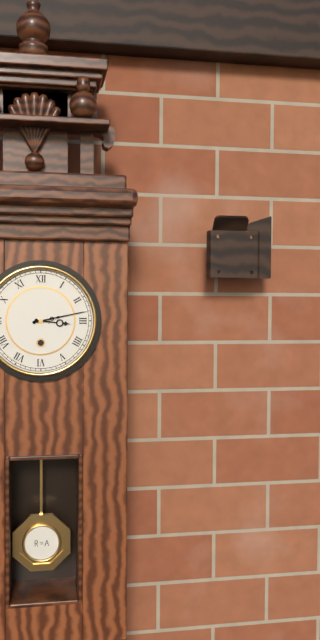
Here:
h=3 m=13
